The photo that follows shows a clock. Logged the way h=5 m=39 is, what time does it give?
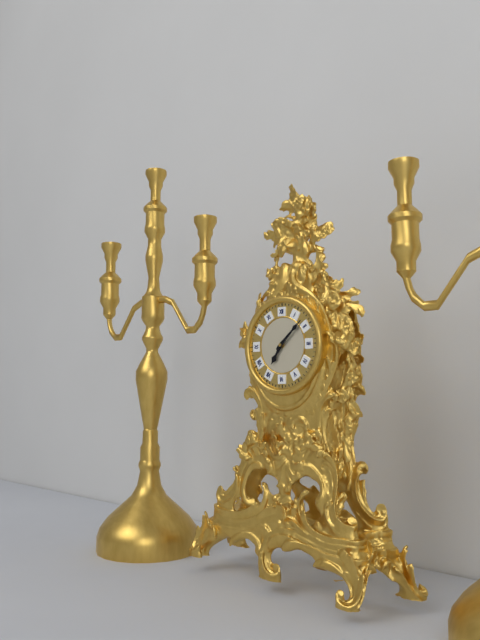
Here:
h=7 m=8
